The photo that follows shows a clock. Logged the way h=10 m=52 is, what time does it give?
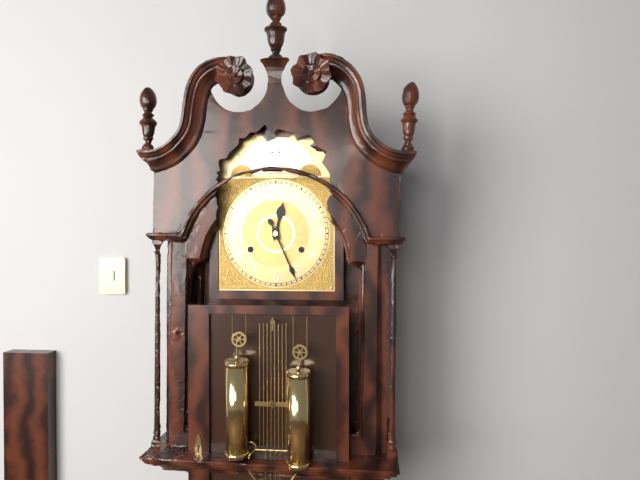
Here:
h=12 m=26
